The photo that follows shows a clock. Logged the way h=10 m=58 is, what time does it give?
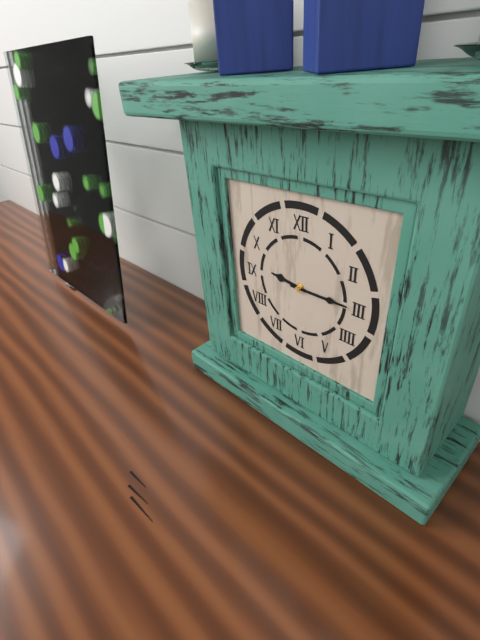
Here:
h=9 m=15
